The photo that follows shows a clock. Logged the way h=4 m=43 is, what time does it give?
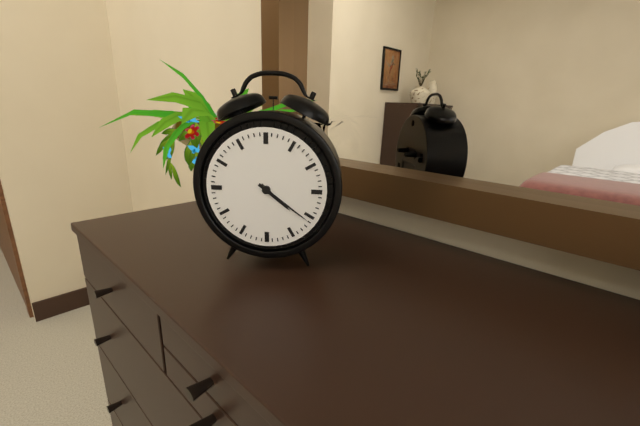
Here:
h=4 m=21
